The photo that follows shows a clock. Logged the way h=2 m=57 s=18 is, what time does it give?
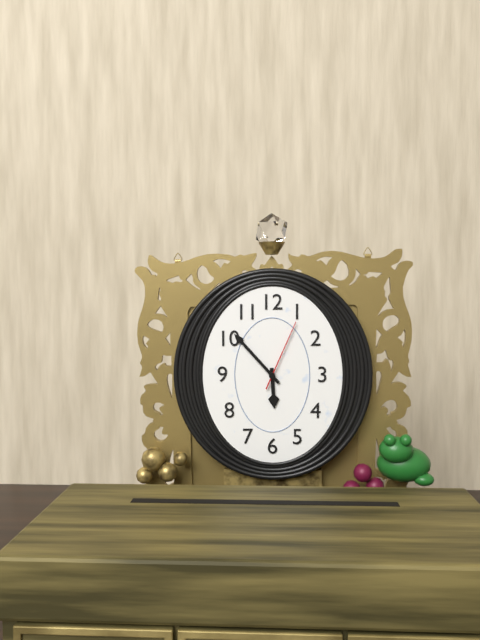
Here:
h=5 m=53 s=4
